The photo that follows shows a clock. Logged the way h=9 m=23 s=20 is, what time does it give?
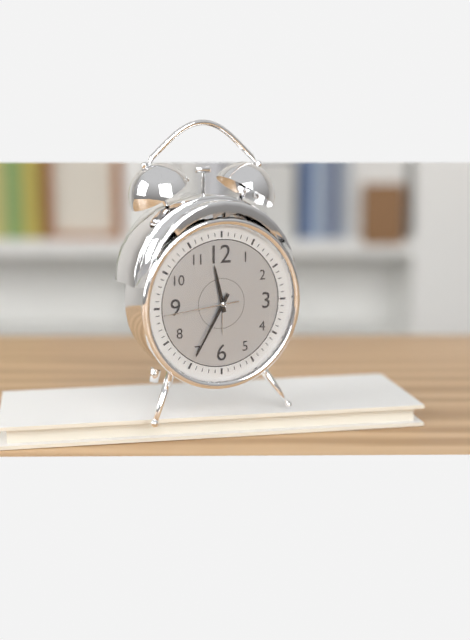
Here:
h=11 m=35 s=44
